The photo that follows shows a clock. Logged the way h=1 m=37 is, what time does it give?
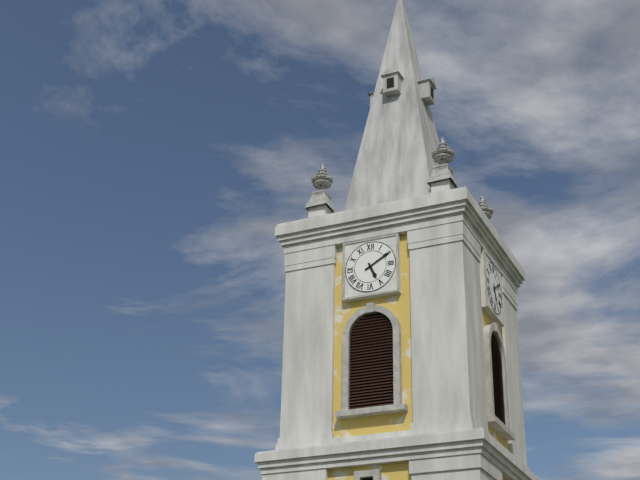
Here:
h=5 m=10
